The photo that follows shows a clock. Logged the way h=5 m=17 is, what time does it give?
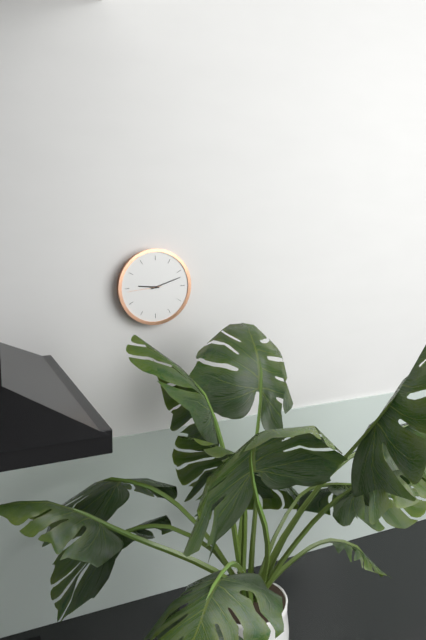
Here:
h=9 m=12
